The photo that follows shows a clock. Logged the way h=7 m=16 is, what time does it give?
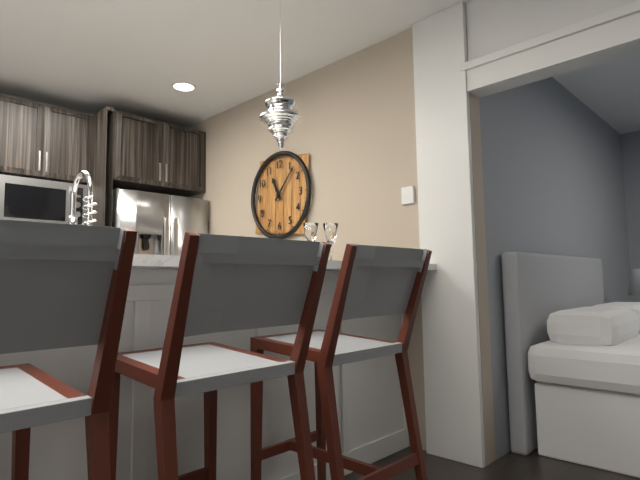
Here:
h=11 m=7
